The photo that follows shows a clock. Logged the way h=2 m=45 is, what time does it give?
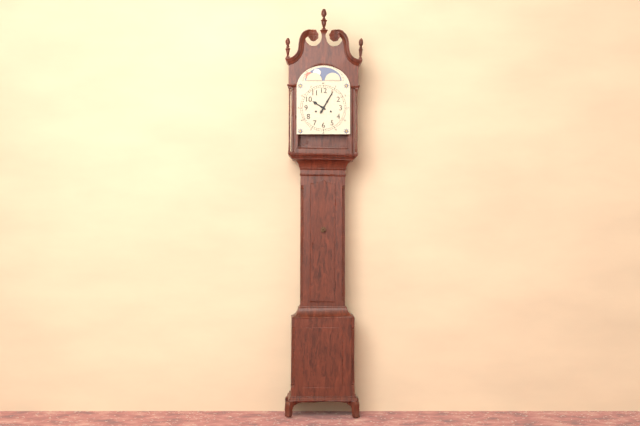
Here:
h=10 m=5
